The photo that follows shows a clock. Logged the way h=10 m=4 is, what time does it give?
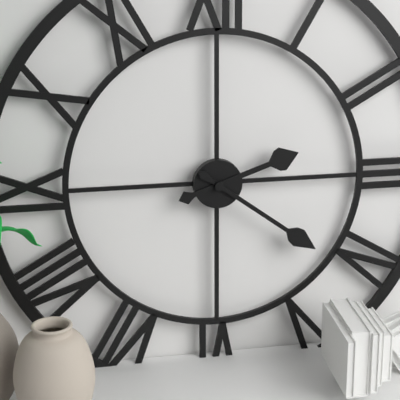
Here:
h=2 m=21
